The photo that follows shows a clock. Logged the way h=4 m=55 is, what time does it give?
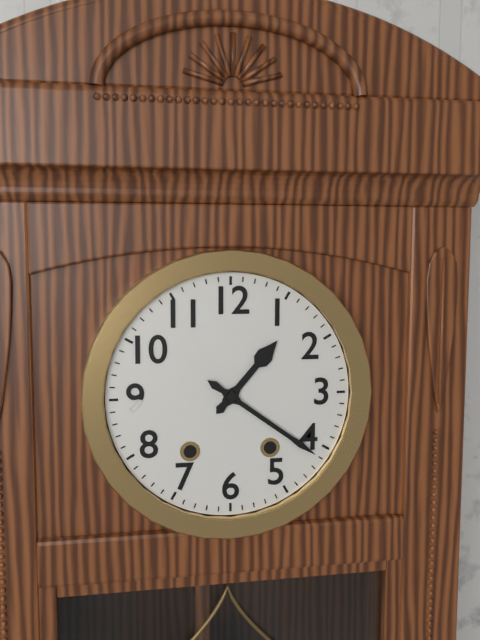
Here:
h=1 m=21
